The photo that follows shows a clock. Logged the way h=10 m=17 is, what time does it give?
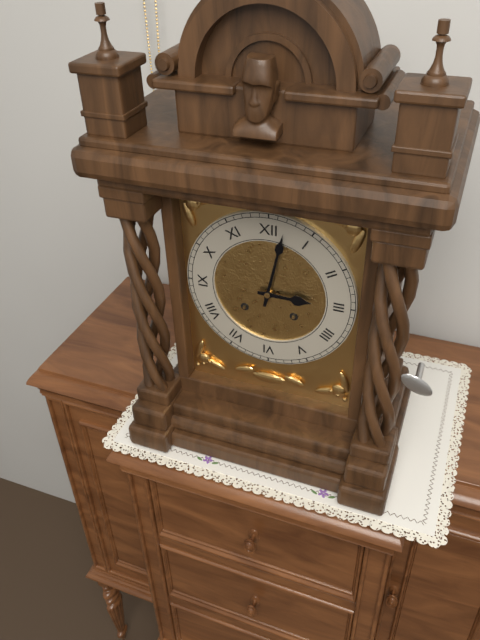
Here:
h=3 m=2
